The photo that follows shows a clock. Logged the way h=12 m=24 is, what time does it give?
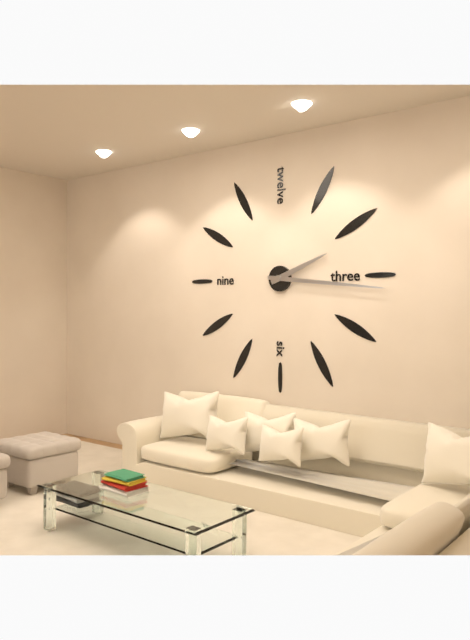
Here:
h=2 m=16
